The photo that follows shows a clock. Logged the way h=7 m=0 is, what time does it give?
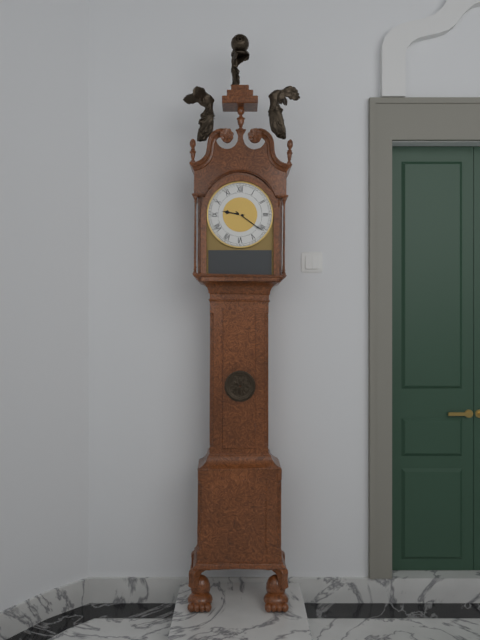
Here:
h=9 m=21
